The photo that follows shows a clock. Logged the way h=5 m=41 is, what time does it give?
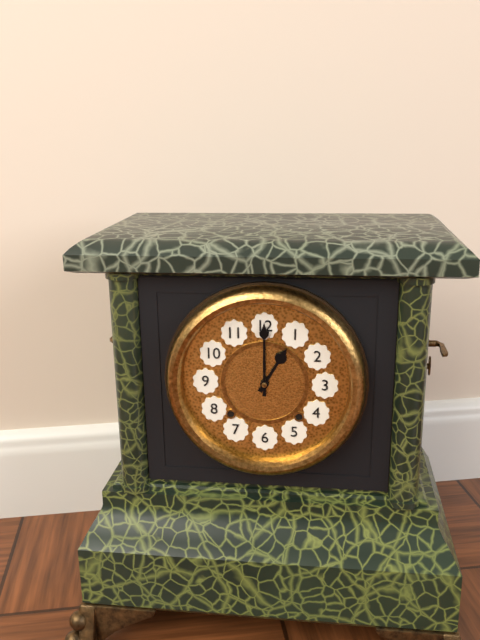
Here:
h=1 m=0
